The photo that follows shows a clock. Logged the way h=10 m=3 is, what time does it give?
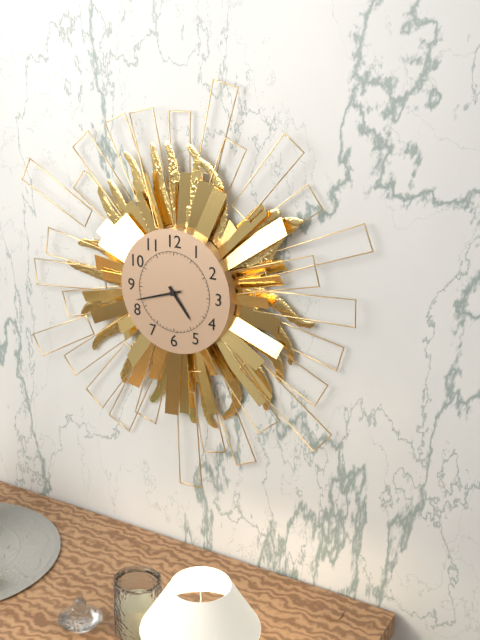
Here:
h=4 m=42
